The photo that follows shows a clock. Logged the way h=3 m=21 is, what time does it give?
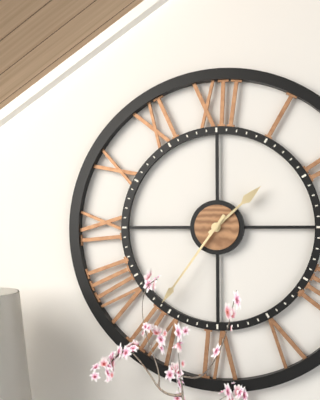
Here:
h=1 m=36
